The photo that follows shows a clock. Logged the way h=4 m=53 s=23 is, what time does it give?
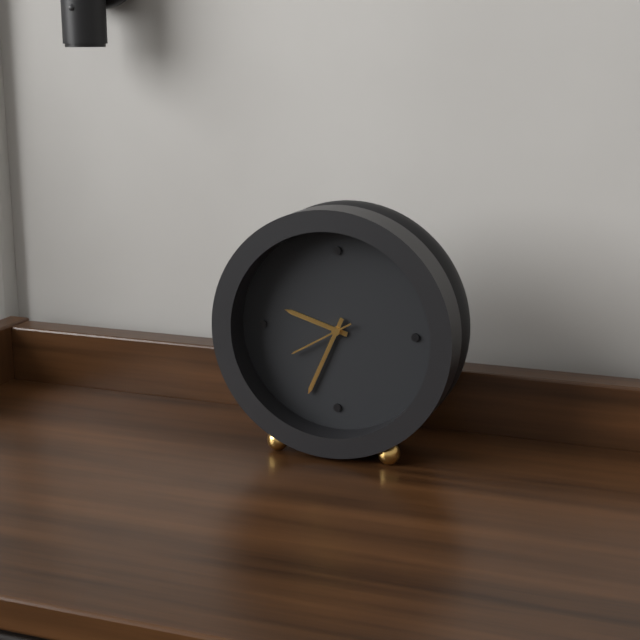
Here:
h=9 m=34 s=40
